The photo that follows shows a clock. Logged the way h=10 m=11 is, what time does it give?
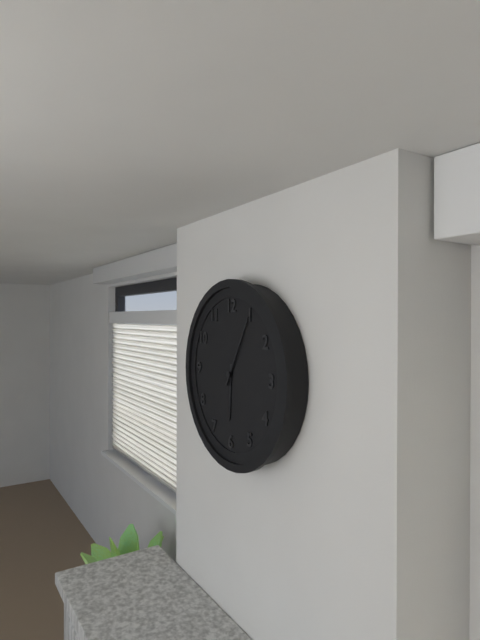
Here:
h=6 m=5
